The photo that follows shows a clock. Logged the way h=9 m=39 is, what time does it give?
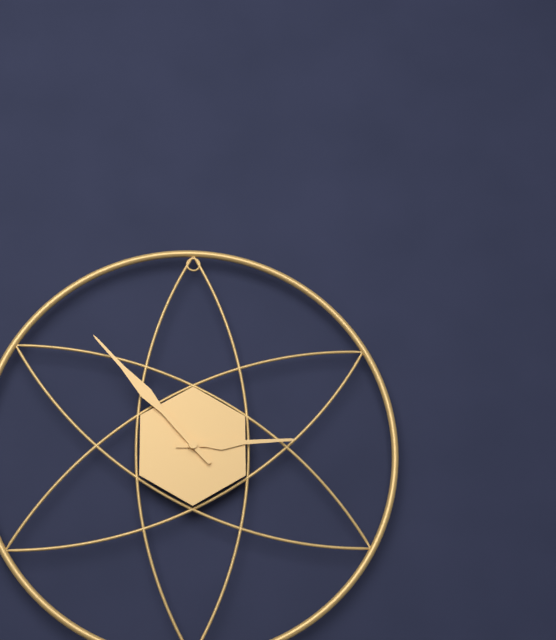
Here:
h=2 m=53
